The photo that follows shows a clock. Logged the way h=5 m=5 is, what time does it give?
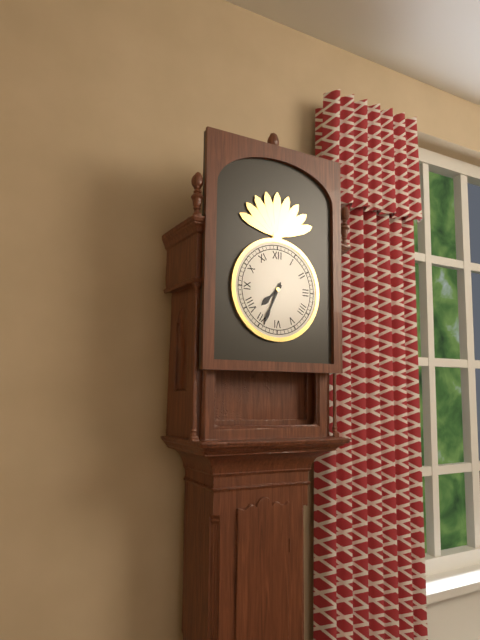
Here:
h=7 m=34
